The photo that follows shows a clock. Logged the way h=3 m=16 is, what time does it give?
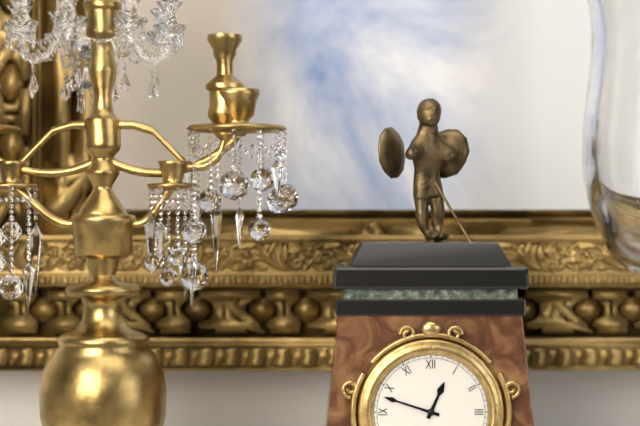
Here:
h=12 m=48
